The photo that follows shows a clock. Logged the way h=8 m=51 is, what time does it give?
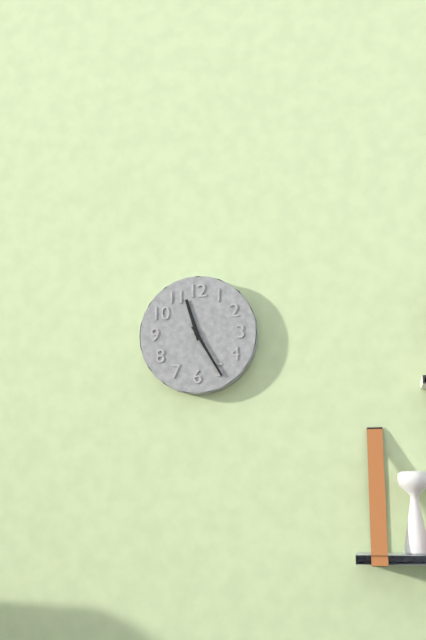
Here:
h=11 m=25
